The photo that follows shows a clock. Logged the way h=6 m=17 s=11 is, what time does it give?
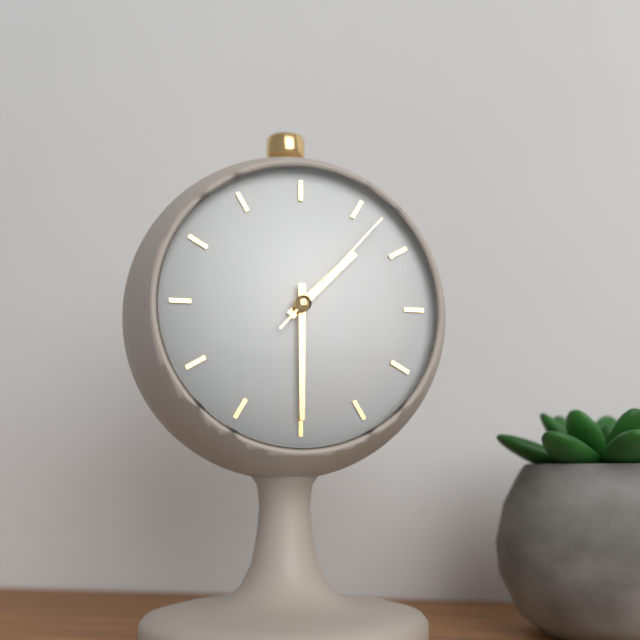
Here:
h=1 m=30 s=7
